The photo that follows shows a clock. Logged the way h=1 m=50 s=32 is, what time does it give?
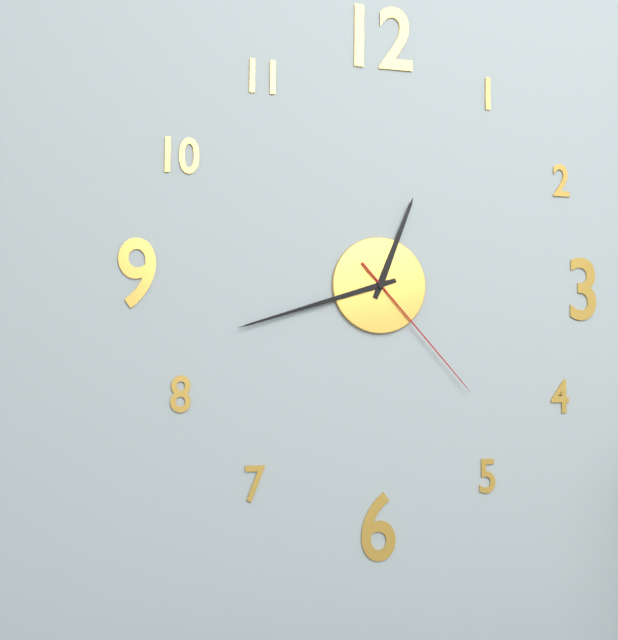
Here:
h=12 m=42 s=23
